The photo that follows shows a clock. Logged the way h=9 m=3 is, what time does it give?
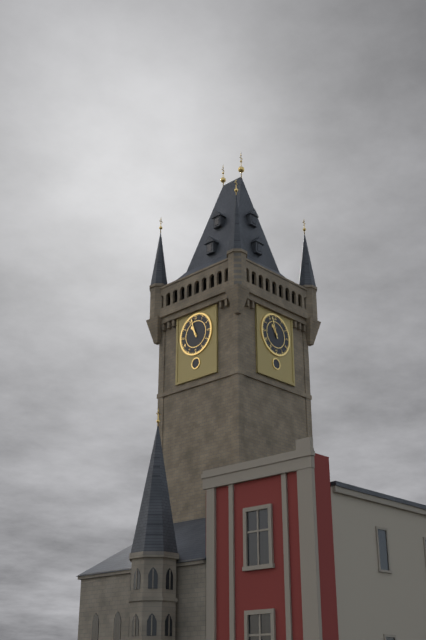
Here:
h=10 m=57
